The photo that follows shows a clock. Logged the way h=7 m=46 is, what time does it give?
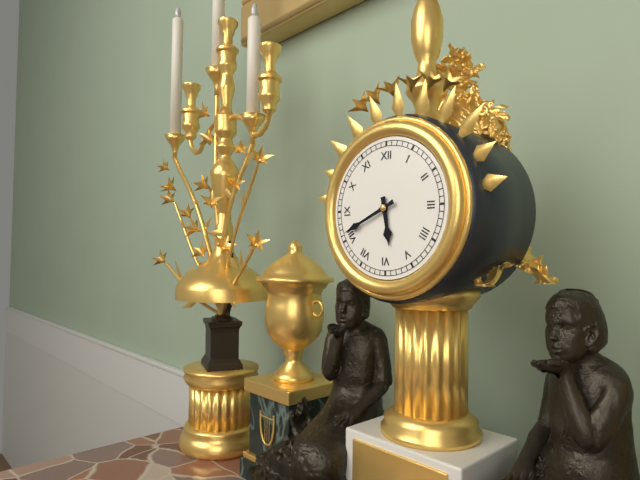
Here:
h=5 m=41
